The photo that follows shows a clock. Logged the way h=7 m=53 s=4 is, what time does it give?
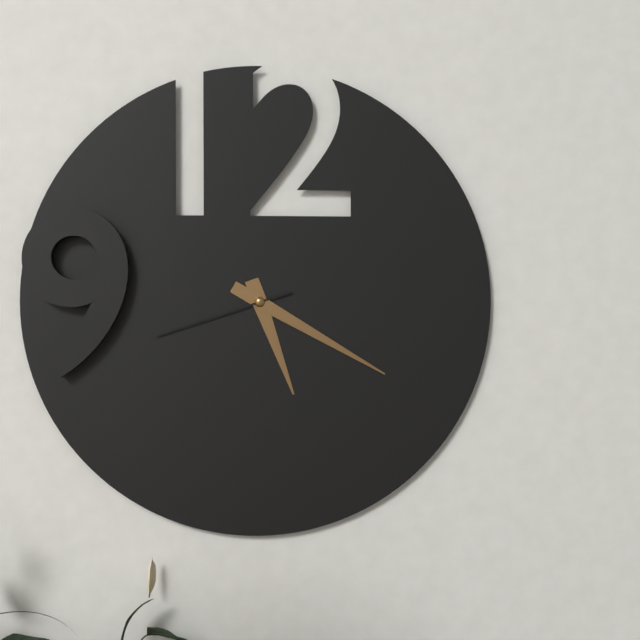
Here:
h=5 m=20 s=42
